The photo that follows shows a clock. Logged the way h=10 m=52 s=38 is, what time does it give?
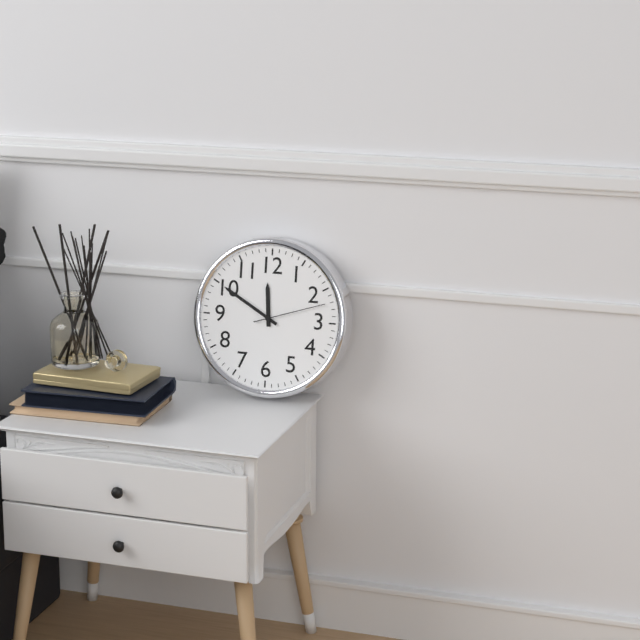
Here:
h=11 m=50 s=12
